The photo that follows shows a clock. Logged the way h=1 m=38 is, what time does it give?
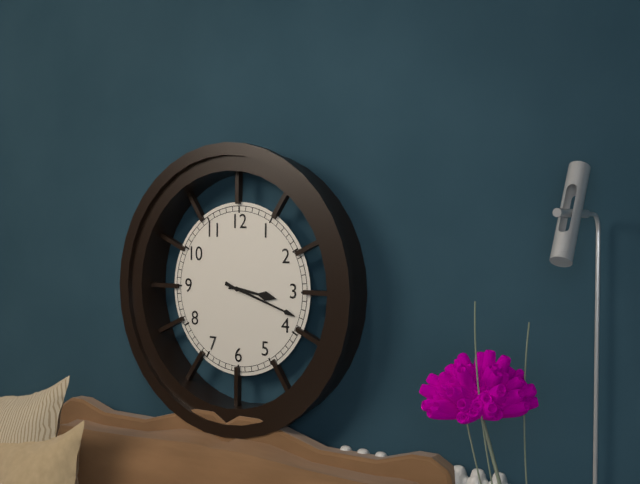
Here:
h=3 m=18
